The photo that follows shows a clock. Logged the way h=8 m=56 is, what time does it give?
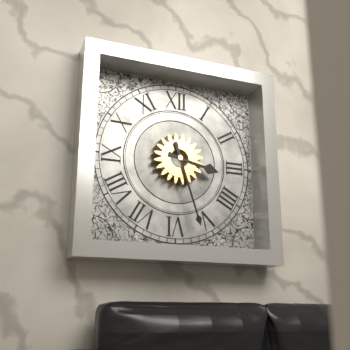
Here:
h=3 m=27
